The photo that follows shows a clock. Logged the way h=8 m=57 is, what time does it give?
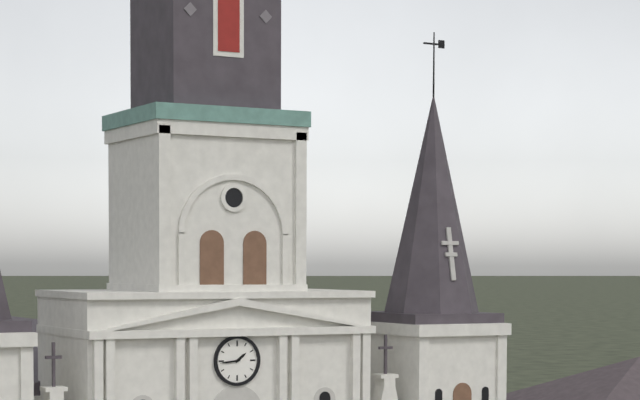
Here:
h=1 m=44
